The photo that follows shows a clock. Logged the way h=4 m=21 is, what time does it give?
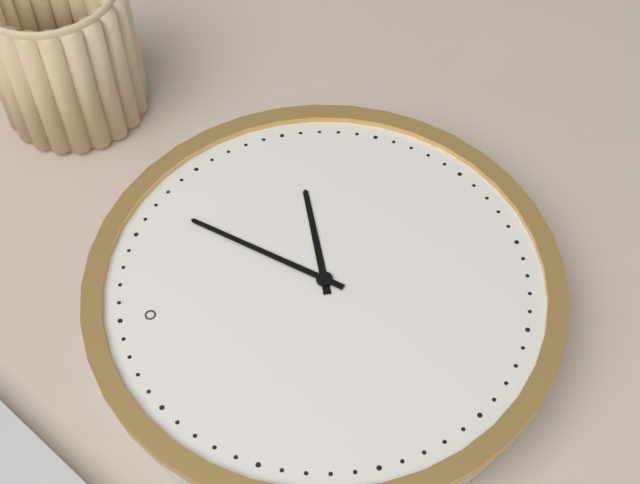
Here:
h=3 m=7
